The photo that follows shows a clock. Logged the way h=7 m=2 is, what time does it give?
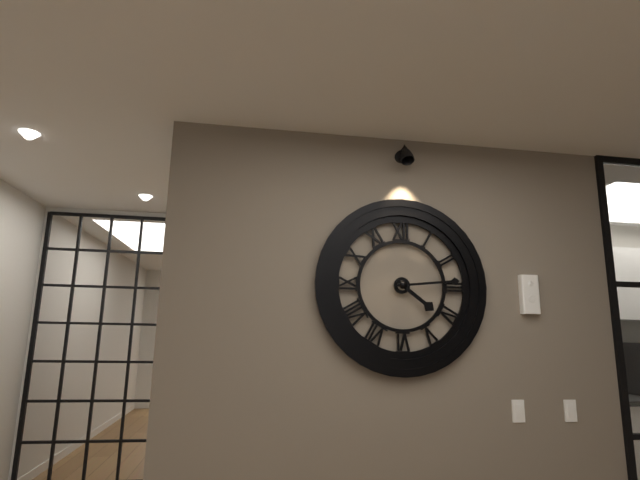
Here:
h=4 m=14
